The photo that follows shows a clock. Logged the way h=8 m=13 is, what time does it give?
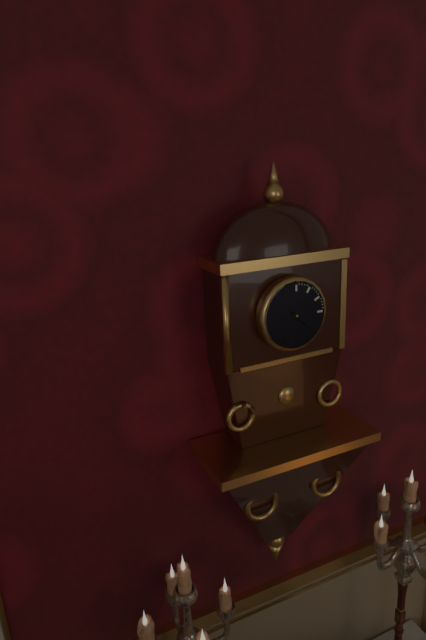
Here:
h=4 m=22
